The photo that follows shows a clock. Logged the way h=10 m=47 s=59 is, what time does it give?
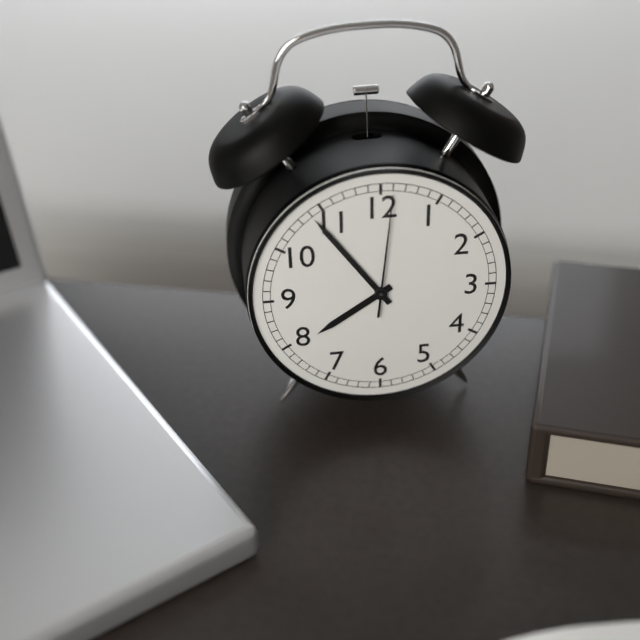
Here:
h=7 m=54 s=1
